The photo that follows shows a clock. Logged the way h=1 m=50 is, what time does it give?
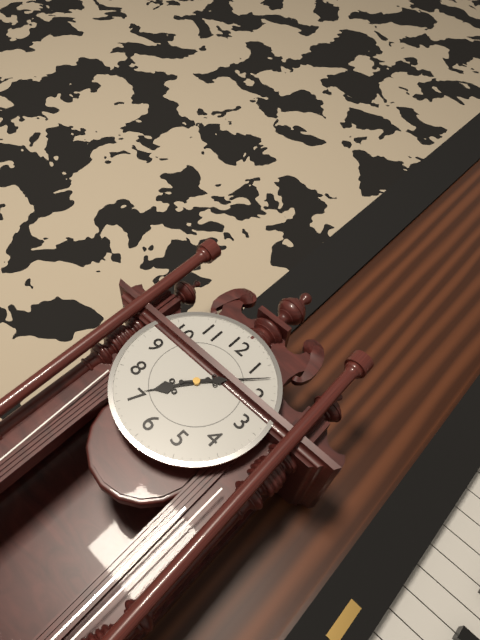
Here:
h=7 m=7
